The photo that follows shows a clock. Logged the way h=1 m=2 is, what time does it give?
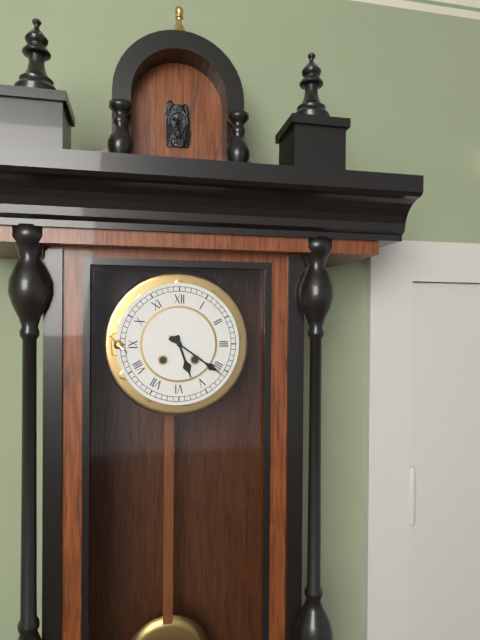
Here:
h=5 m=21
